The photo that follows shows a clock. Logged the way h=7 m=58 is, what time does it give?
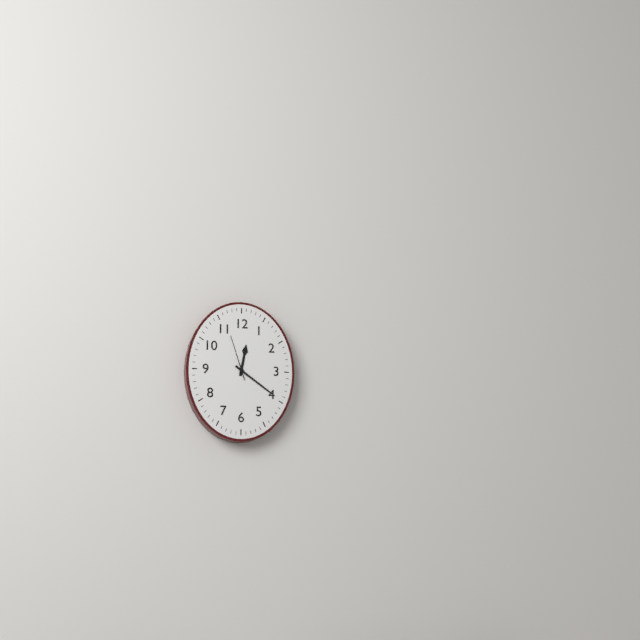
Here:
h=12 m=21
